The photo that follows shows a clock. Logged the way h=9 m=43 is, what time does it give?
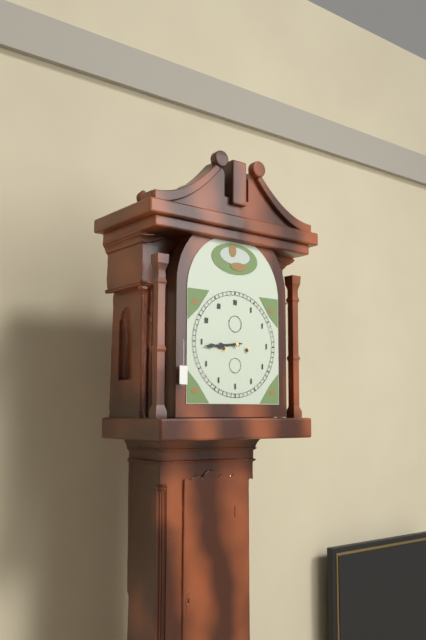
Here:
h=8 m=44
